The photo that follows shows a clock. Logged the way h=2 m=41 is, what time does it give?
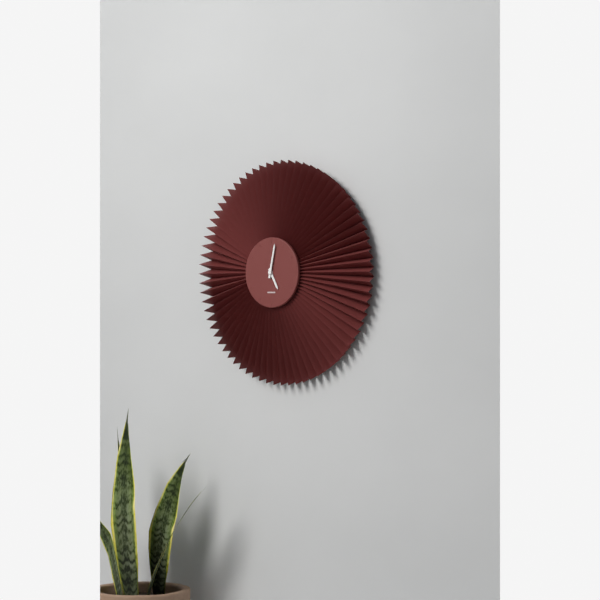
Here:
h=5 m=2
